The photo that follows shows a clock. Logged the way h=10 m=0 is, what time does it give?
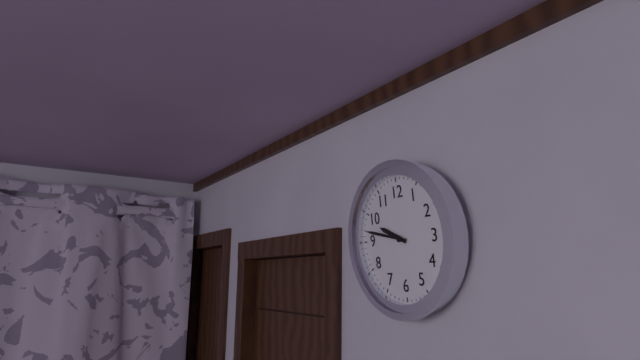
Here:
h=9 m=47
